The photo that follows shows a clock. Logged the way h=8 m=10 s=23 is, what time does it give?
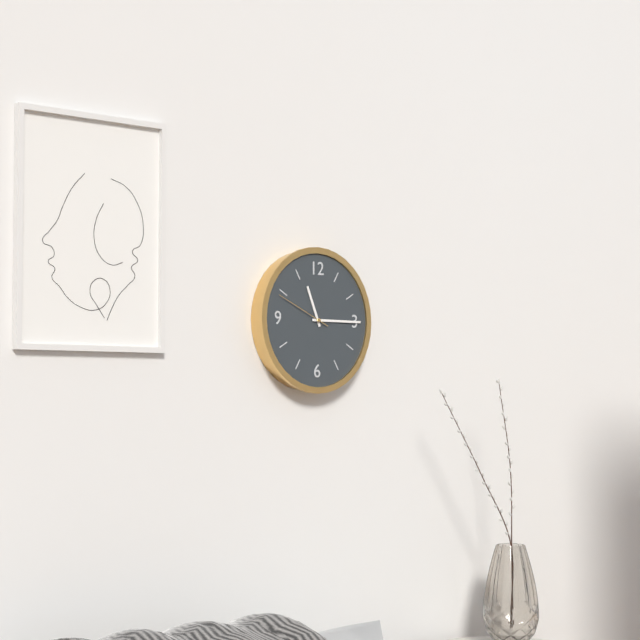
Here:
h=11 m=15 s=49
